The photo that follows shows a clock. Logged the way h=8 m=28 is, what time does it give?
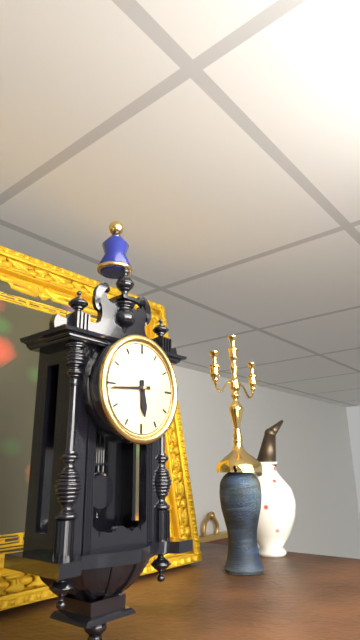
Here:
h=5 m=44
